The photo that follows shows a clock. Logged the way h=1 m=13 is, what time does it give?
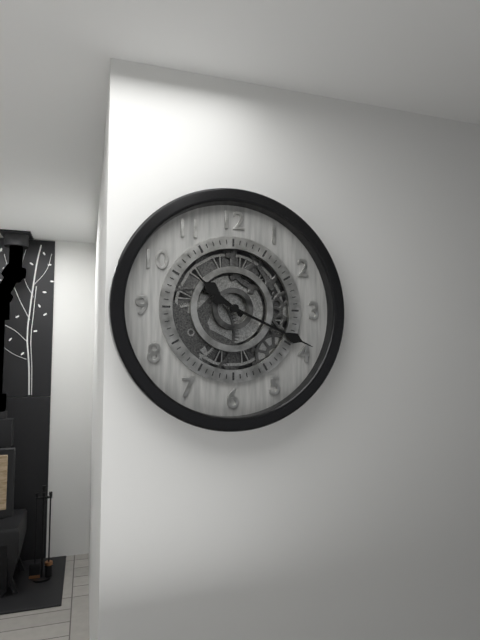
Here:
h=10 m=19
